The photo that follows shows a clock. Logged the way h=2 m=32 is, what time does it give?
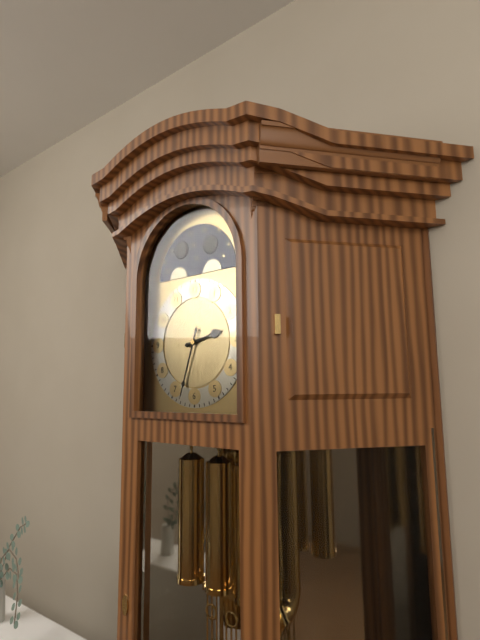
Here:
h=2 m=33
